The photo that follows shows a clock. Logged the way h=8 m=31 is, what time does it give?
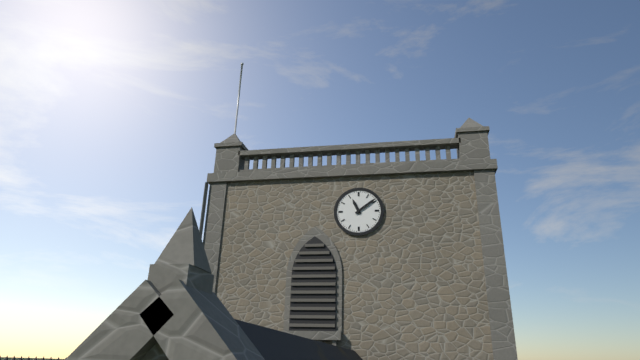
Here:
h=11 m=9
